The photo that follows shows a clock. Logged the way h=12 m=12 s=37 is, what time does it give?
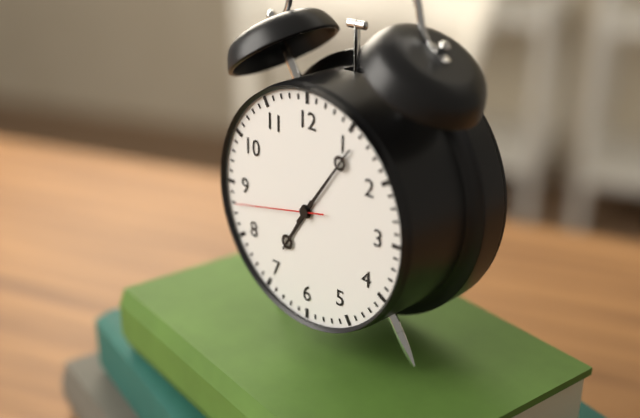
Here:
h=7 m=6 s=43
